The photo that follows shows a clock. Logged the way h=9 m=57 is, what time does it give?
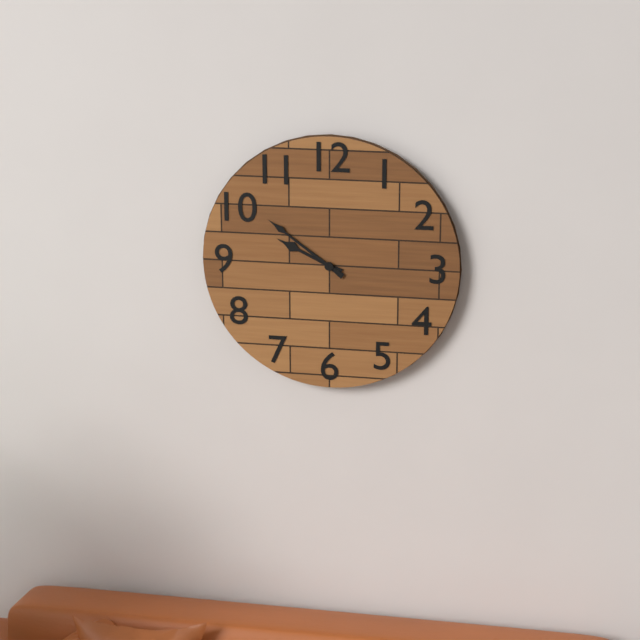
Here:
h=9 m=51
